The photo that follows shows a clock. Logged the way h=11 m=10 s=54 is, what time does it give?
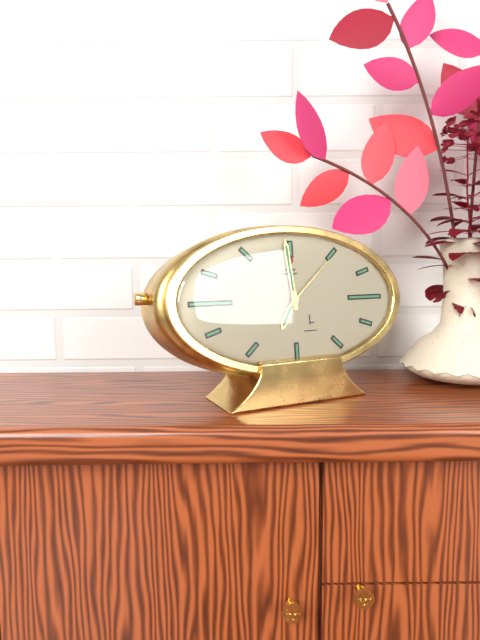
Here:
h=6 m=59 s=8
